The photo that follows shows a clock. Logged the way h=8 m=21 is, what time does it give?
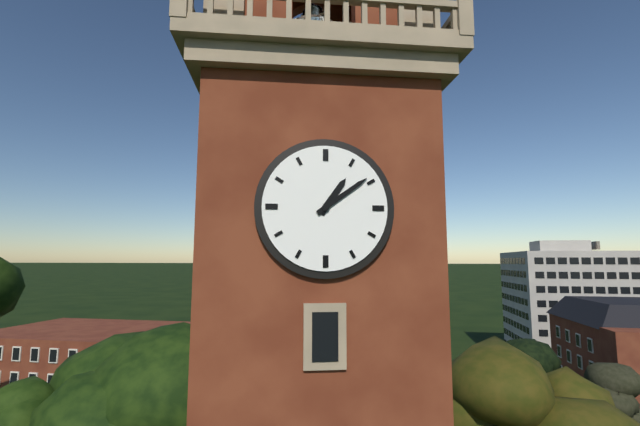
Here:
h=1 m=9
